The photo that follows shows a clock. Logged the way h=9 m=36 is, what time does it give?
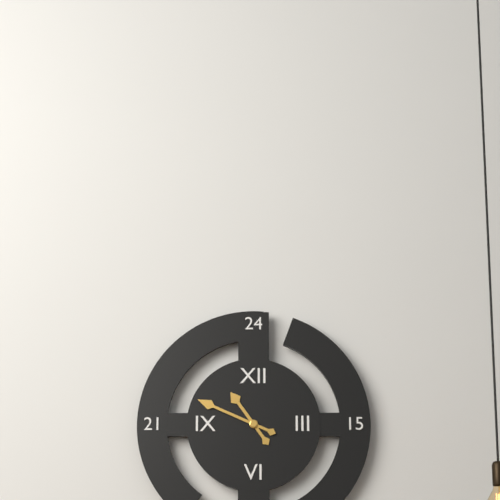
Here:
h=10 m=49
